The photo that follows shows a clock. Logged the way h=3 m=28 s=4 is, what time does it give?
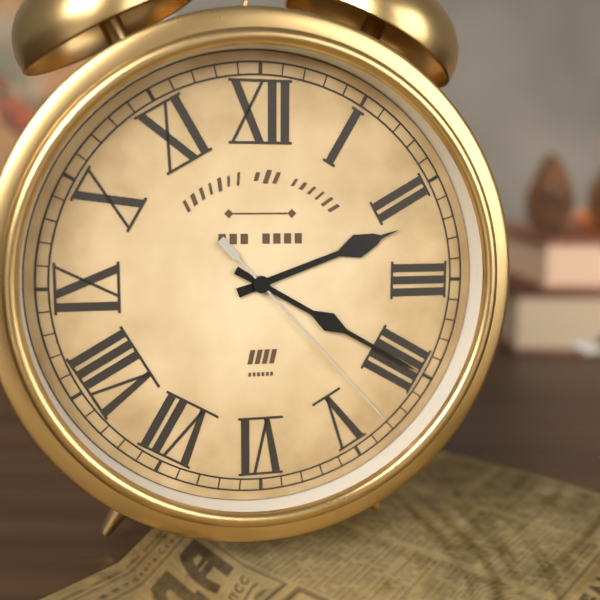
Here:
h=2 m=20 s=23
